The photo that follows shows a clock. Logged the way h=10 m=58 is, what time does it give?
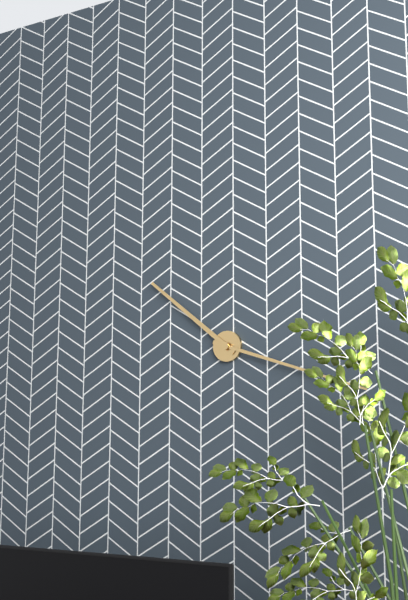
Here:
h=10 m=18
